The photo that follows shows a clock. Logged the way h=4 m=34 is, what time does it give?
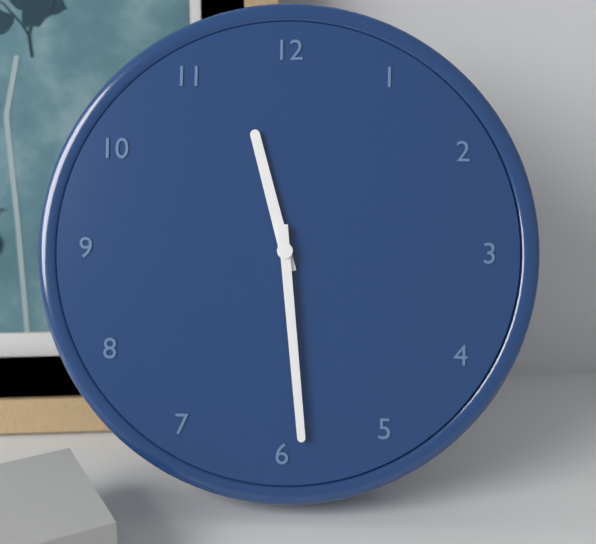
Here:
h=11 m=29
